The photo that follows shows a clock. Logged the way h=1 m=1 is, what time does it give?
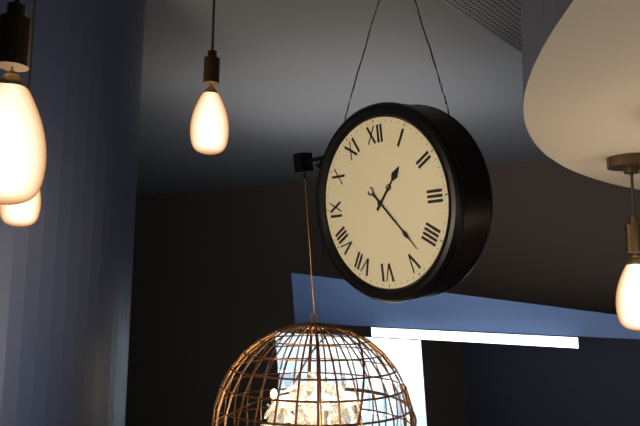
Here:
h=1 m=23
